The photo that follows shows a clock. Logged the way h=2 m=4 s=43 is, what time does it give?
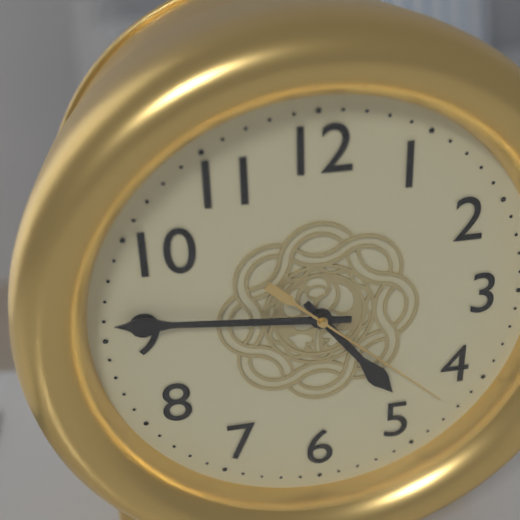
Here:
h=4 m=46 s=22
